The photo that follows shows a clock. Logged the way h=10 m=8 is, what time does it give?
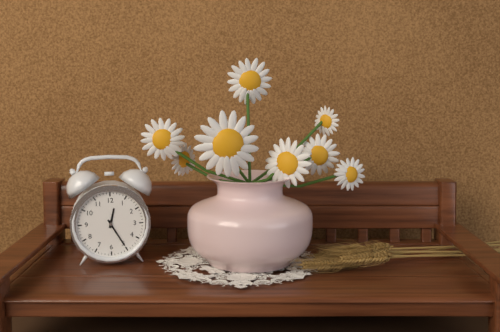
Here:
h=12 m=25
